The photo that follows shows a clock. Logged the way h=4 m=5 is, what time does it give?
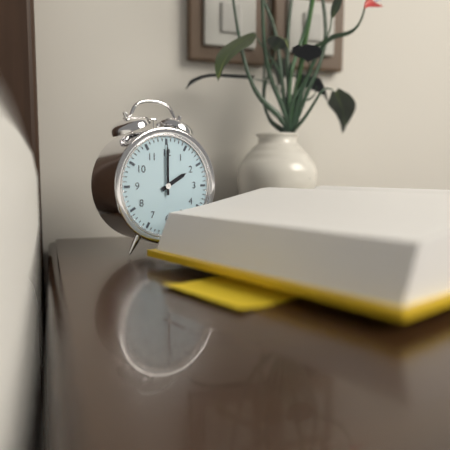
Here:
h=2 m=0
